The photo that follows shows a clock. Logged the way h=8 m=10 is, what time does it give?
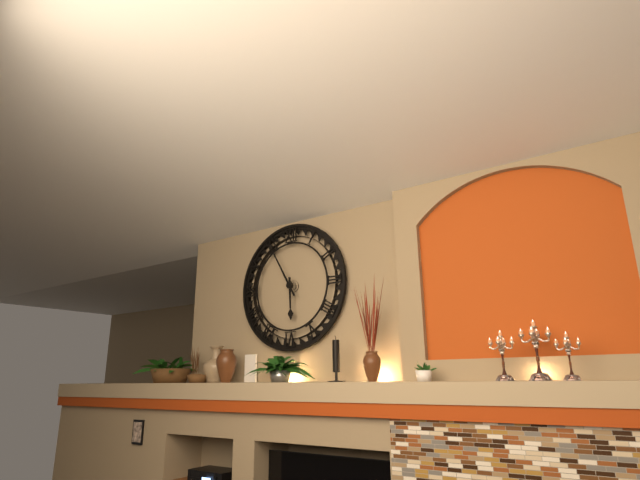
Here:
h=5 m=55
